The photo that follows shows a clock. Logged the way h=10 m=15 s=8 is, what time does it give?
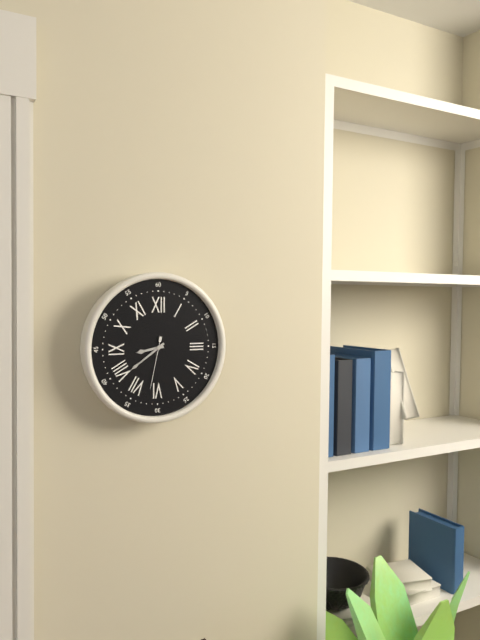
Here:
h=8 m=39 s=32
